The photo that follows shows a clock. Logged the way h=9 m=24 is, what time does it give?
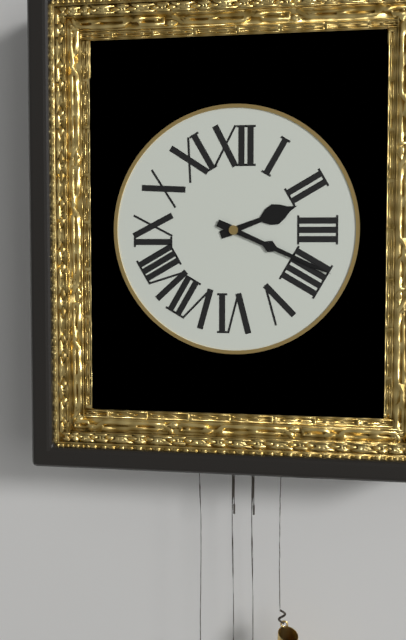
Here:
h=2 m=19
